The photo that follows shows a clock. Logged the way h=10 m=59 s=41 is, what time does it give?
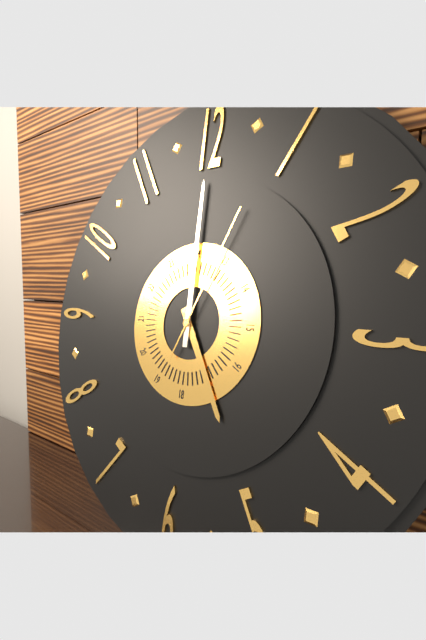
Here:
h=5 m=0 s=4
